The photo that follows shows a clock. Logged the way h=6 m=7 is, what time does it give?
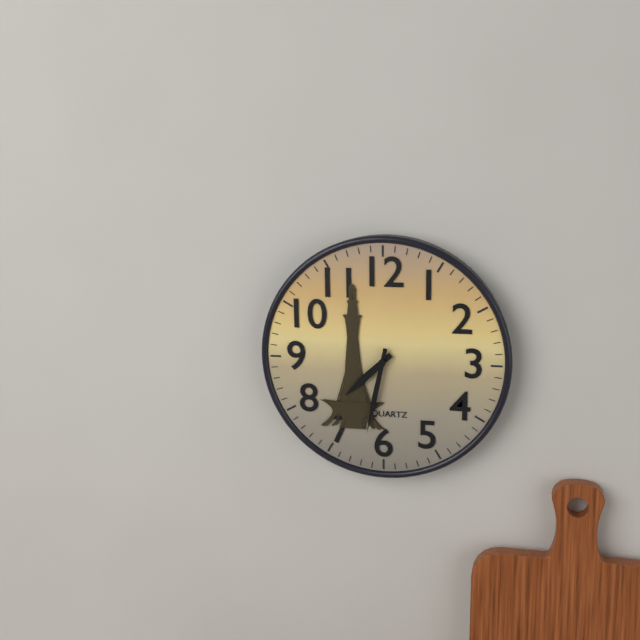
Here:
h=7 m=32
